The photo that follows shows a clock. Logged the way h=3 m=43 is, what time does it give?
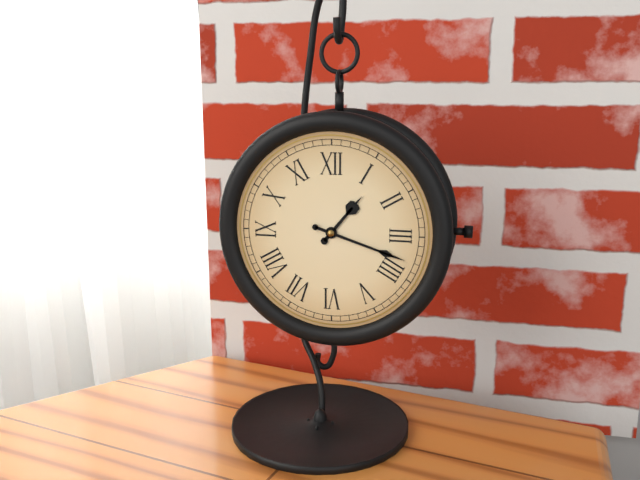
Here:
h=1 m=18
